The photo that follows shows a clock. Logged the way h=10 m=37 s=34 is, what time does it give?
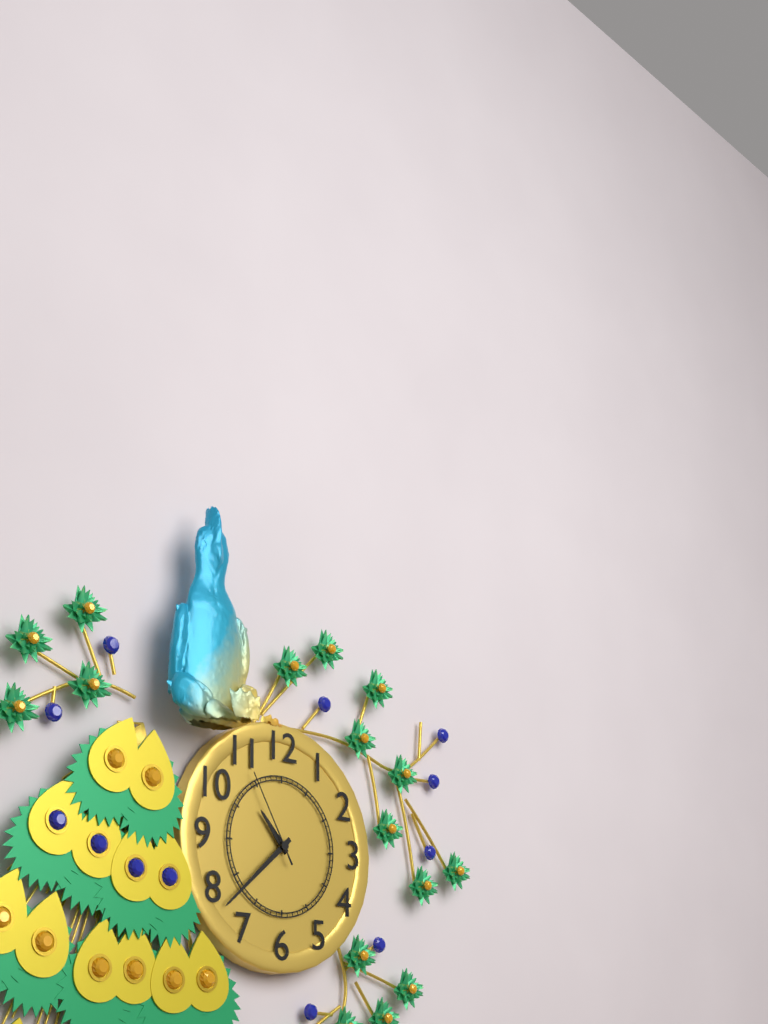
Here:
h=10 m=38 s=55
